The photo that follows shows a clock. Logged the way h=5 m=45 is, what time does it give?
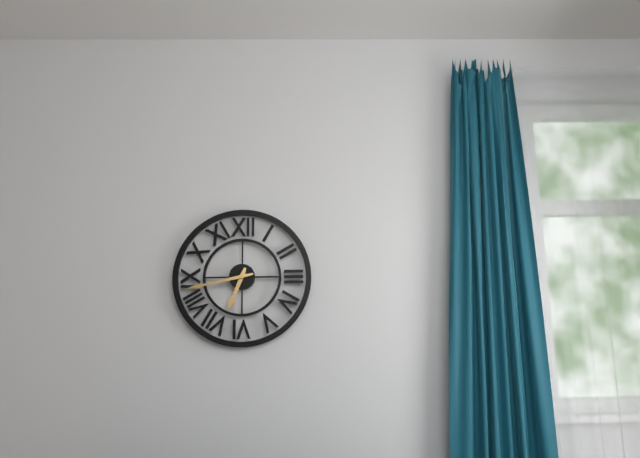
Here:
h=6 m=43
